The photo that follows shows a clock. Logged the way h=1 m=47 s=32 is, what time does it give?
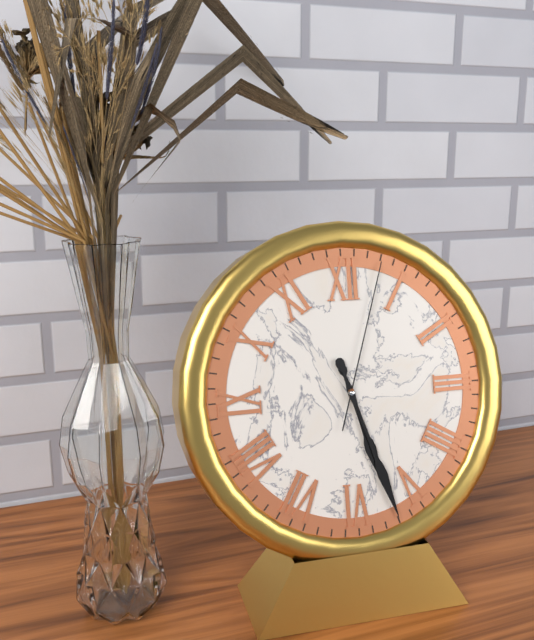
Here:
h=5 m=27 s=3
